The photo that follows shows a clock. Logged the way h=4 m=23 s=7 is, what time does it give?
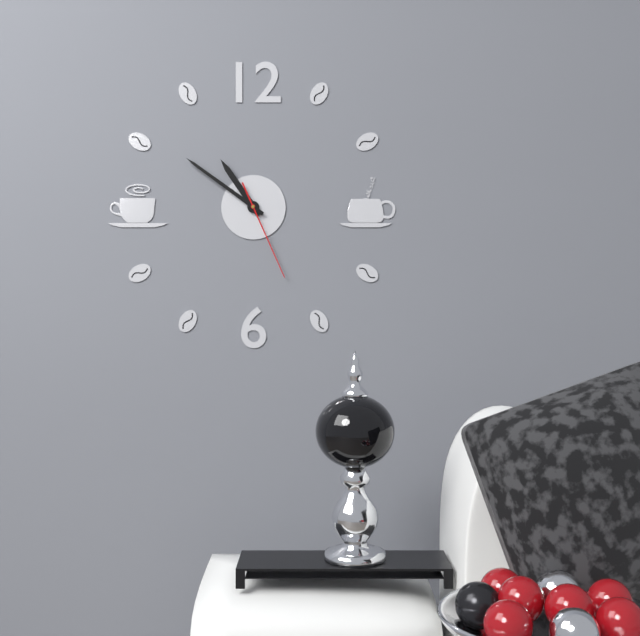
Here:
h=10 m=51 s=26
